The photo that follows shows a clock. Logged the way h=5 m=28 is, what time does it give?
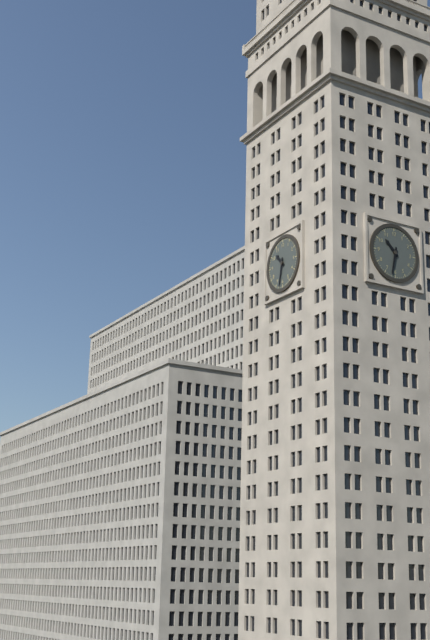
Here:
h=10 m=32
